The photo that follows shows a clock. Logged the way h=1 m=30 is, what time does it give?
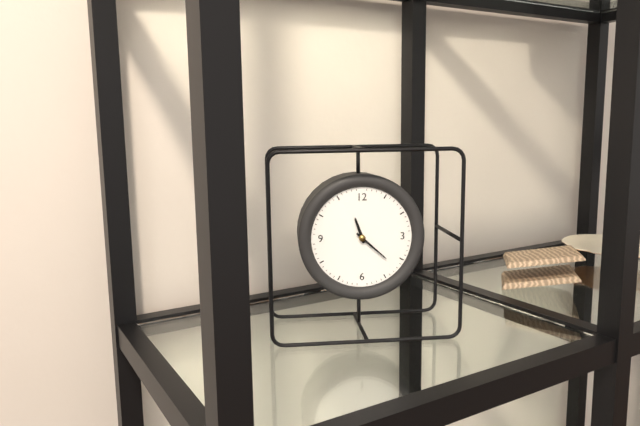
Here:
h=11 m=22
